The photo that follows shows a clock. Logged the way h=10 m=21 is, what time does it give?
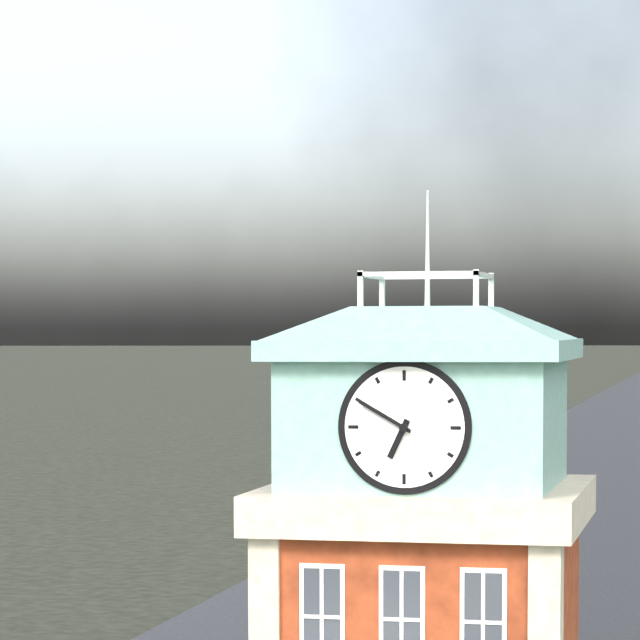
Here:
h=6 m=50
